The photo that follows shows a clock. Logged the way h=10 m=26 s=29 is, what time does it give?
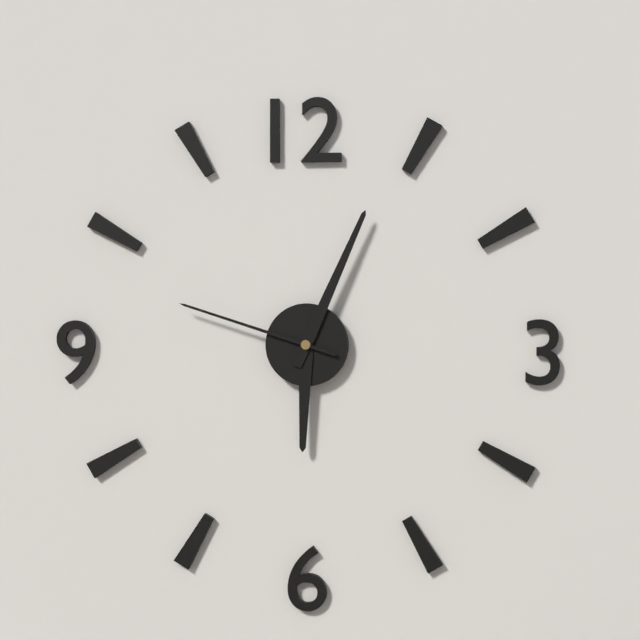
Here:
h=6 m=4 s=48
